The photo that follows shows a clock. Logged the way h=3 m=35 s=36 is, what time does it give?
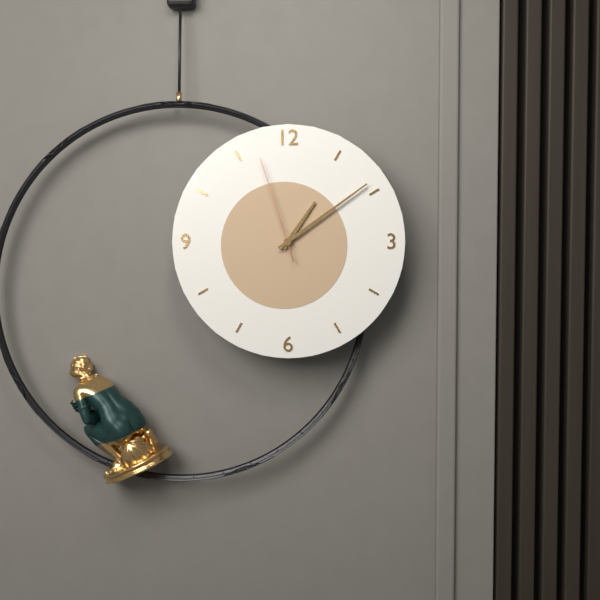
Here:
h=1 m=9 s=57
